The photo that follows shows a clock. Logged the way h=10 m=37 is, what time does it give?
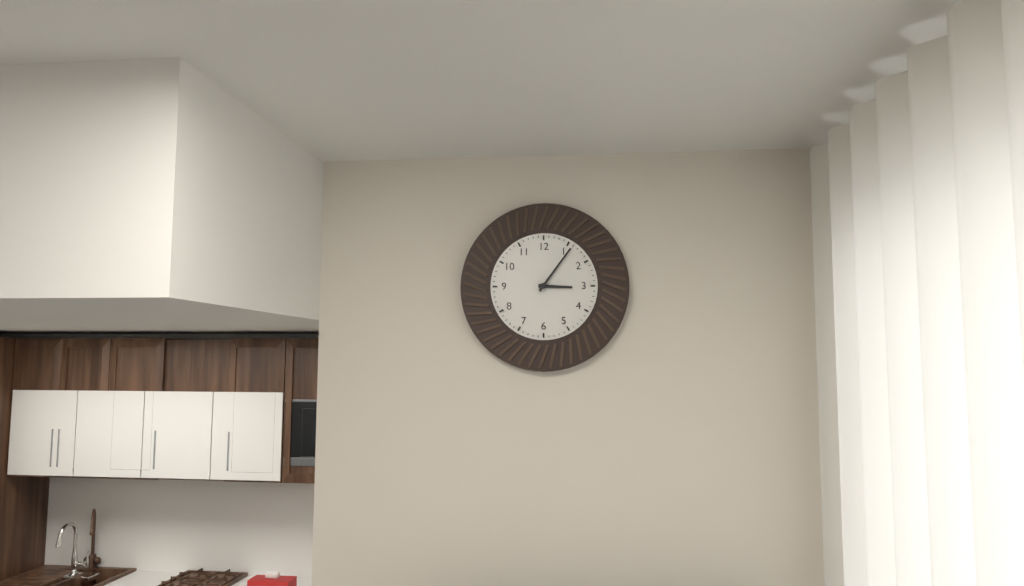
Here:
h=3 m=6
